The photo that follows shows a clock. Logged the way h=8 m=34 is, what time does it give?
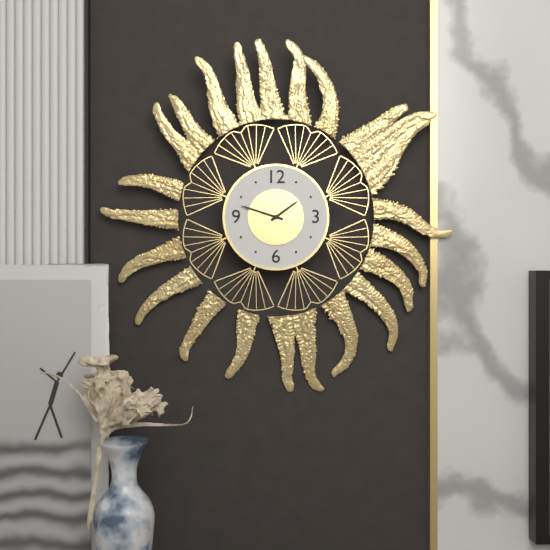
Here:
h=1 m=48
